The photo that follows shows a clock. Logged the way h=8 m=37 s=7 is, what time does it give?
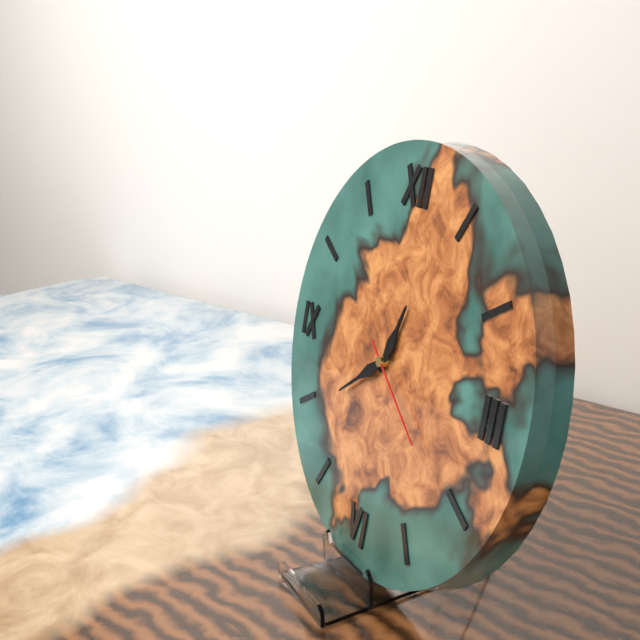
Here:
h=12 m=39 s=21
